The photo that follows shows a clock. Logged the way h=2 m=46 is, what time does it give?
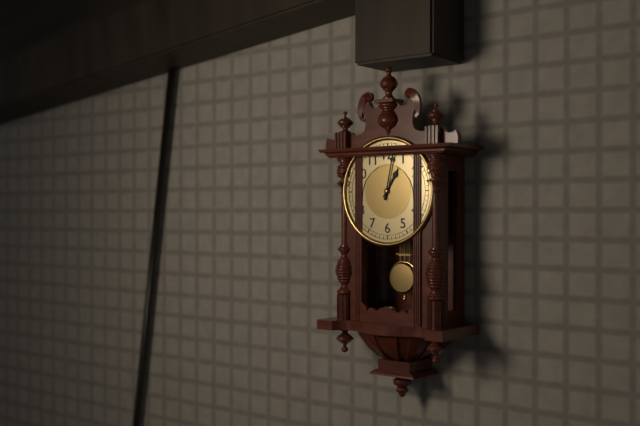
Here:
h=1 m=2
